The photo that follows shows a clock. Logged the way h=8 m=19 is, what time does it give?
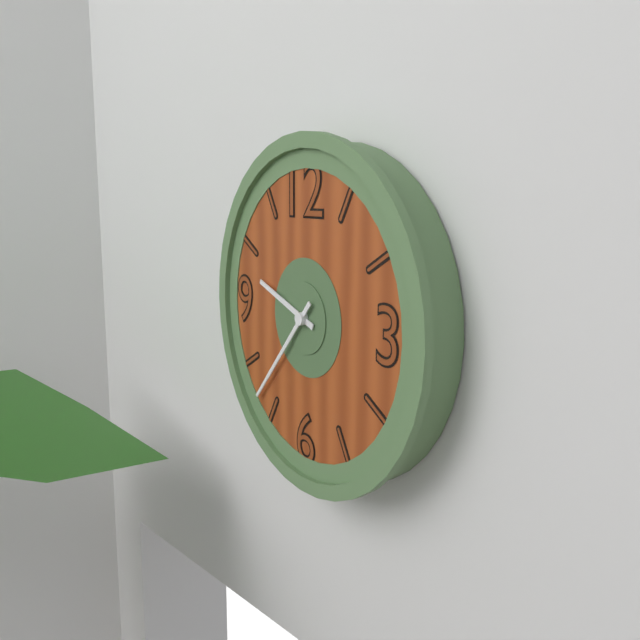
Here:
h=9 m=37
